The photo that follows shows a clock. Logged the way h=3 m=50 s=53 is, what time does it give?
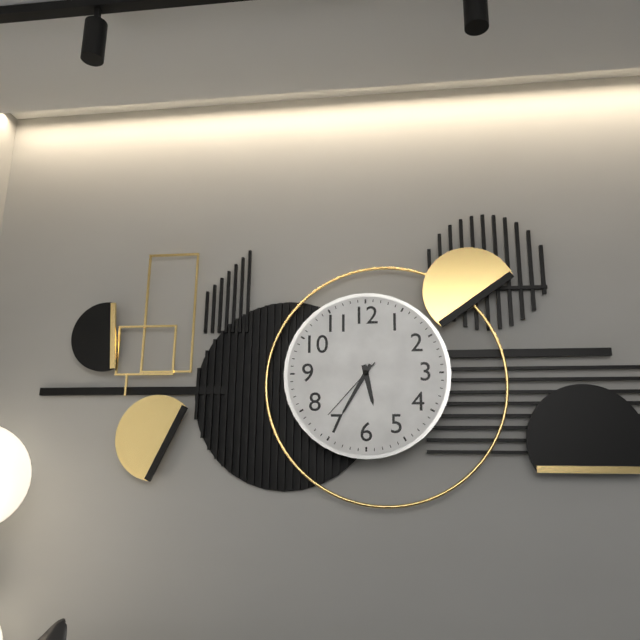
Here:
h=5 m=35 s=37
